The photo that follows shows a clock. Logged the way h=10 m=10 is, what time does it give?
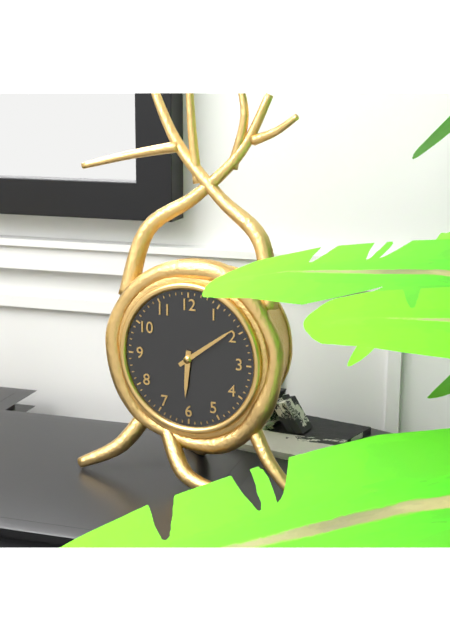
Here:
h=6 m=9
